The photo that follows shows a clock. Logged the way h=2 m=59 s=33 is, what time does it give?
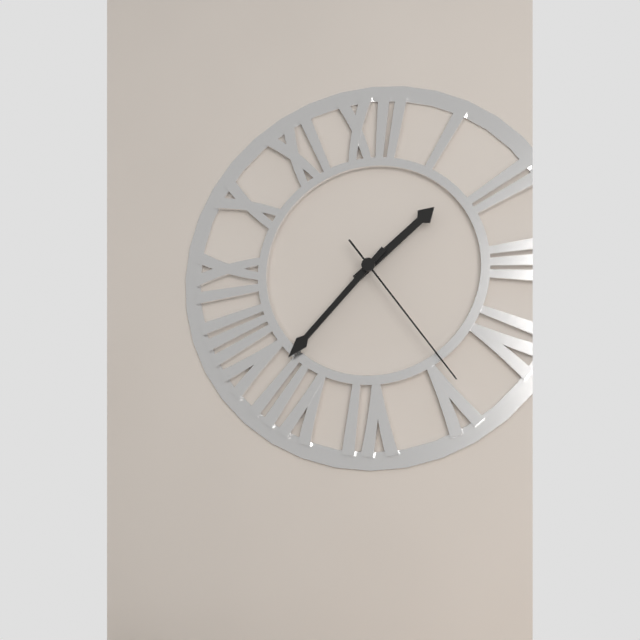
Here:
h=1 m=37 s=24
